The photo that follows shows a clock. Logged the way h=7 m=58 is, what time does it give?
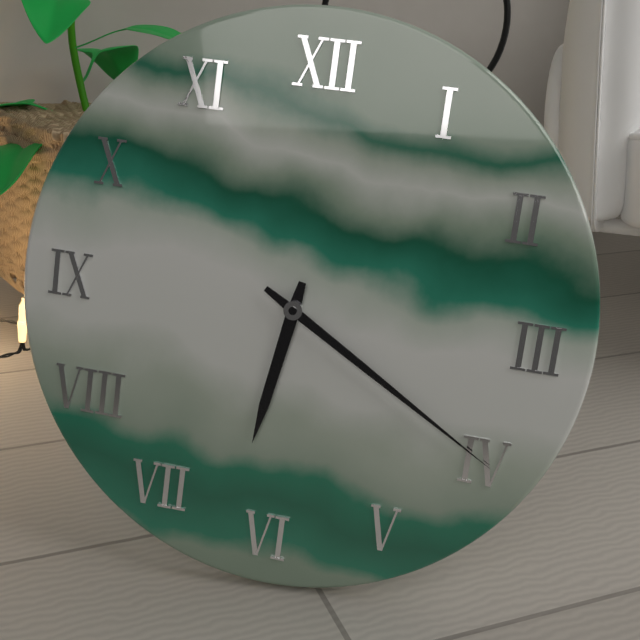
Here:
h=6 m=20
